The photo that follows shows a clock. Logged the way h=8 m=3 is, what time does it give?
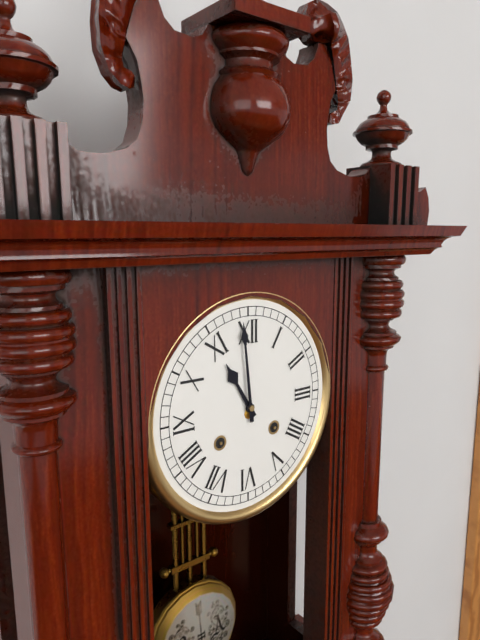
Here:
h=10 m=59
